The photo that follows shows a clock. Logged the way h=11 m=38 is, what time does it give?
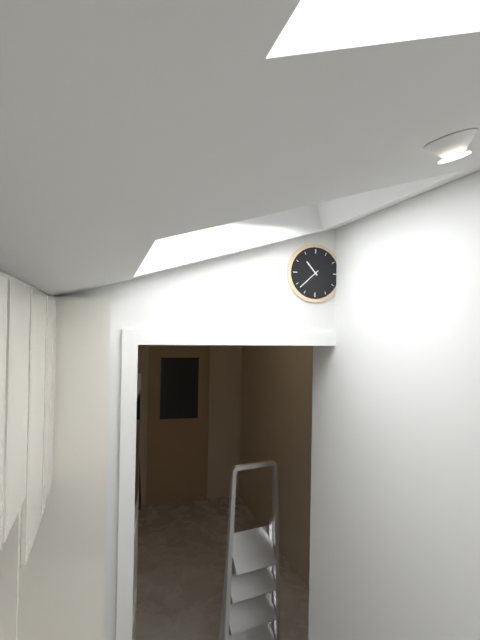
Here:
h=10 m=38
